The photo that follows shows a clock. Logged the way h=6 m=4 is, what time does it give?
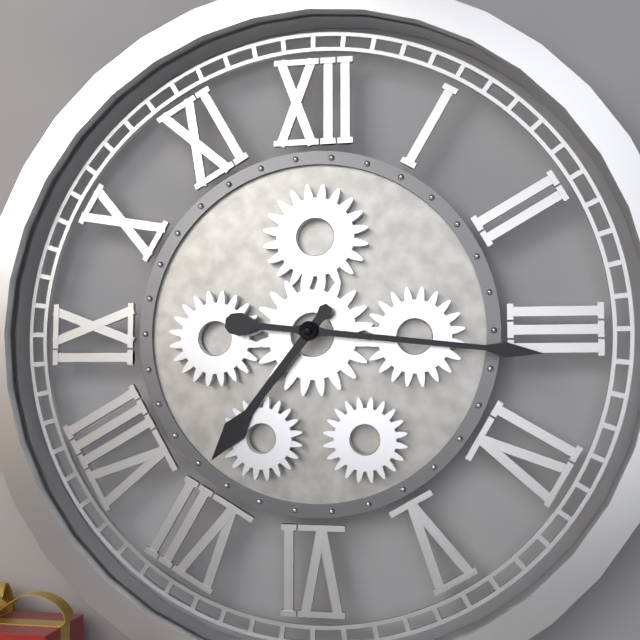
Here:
h=7 m=16
